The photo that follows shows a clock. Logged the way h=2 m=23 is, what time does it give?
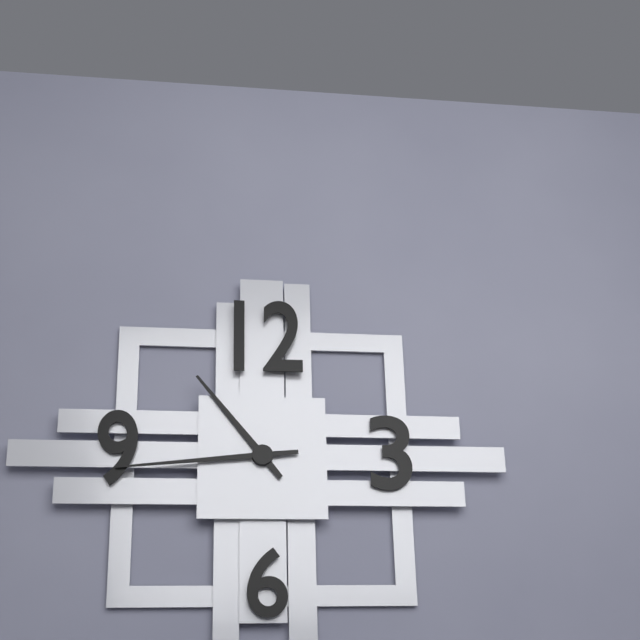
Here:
h=10 m=44
